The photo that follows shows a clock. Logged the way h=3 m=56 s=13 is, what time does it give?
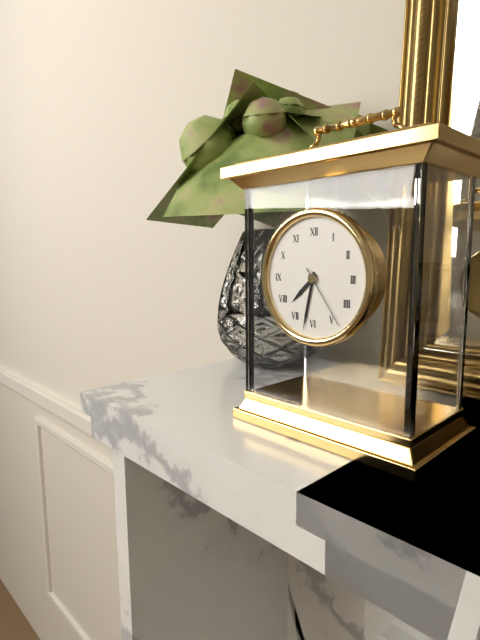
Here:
h=7 m=32 s=24
